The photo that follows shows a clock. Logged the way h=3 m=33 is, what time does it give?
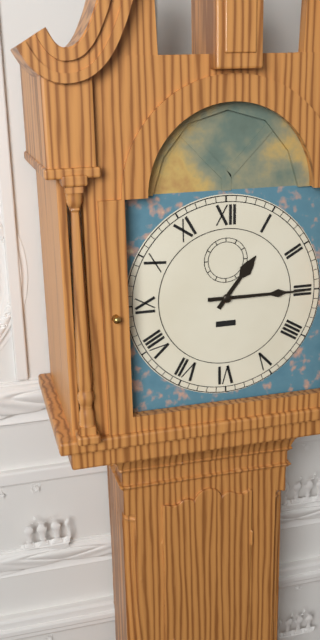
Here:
h=1 m=15
